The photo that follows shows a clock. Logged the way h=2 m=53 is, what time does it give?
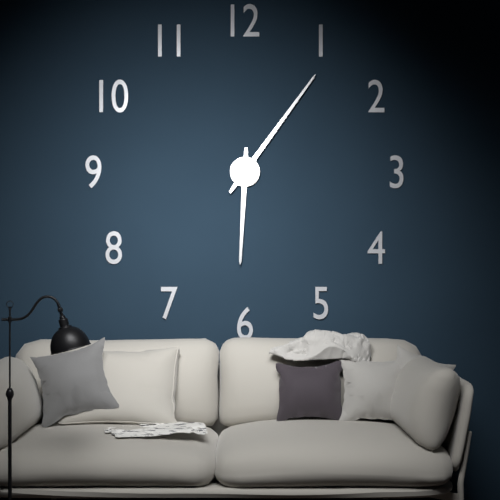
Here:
h=6 m=6
